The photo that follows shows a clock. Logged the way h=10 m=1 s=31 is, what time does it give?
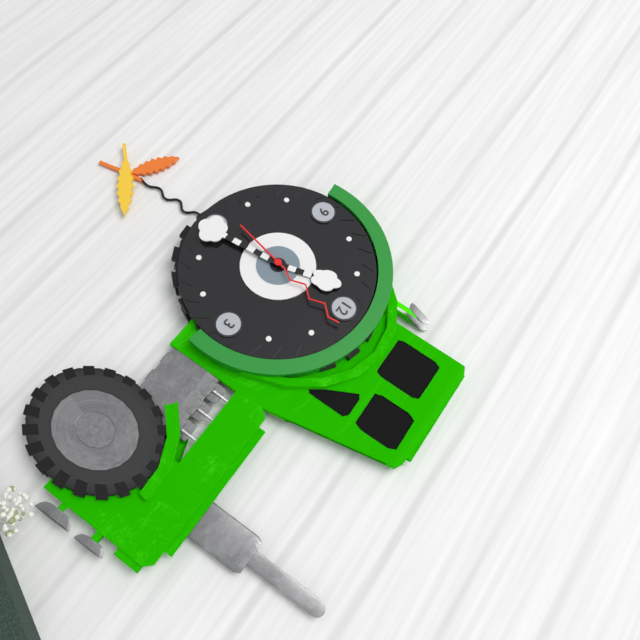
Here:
h=11 m=29 s=2
